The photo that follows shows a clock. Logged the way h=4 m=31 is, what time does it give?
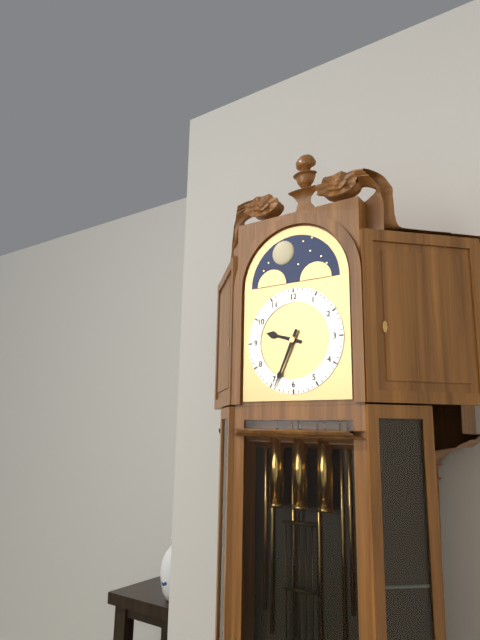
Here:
h=9 m=34
